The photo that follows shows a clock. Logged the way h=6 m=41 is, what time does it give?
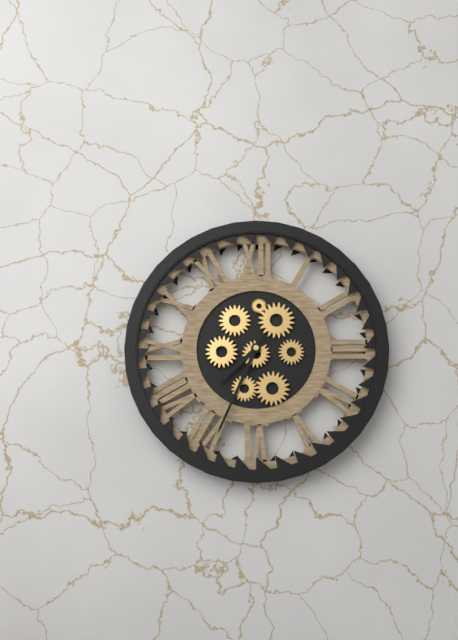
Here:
h=7 m=34
